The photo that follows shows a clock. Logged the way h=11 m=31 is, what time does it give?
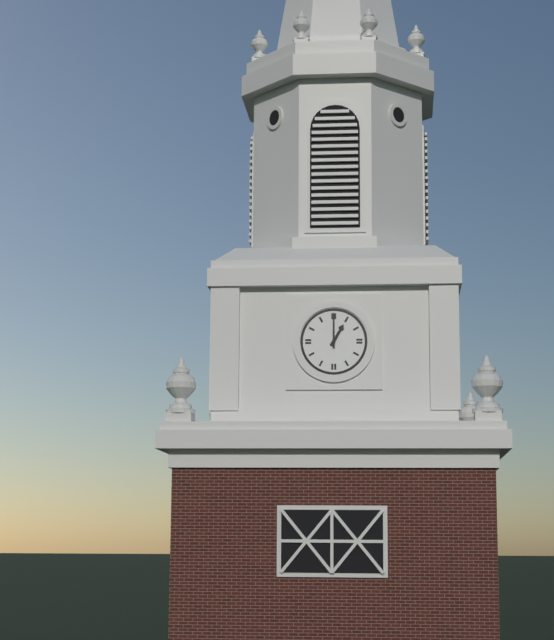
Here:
h=1 m=0
